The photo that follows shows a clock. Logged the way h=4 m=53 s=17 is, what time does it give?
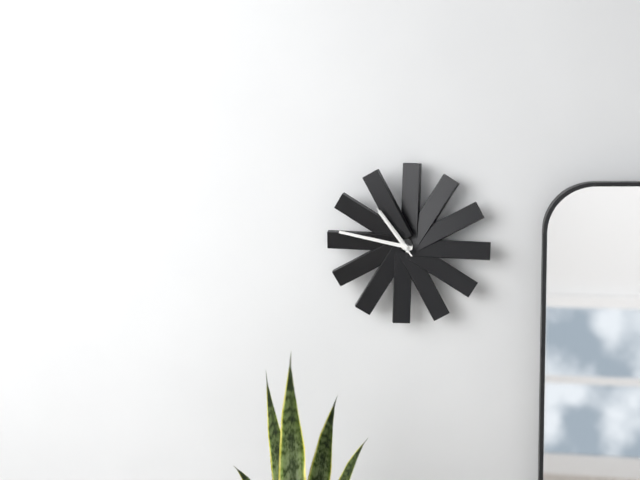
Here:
h=10 m=47 s=54
